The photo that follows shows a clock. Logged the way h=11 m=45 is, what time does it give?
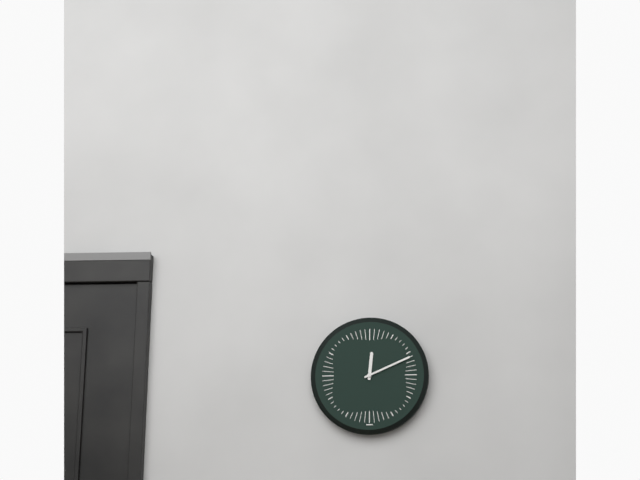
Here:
h=12 m=11
